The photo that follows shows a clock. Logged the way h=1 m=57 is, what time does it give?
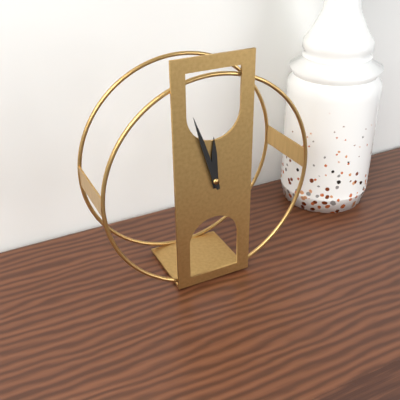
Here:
h=11 m=57
